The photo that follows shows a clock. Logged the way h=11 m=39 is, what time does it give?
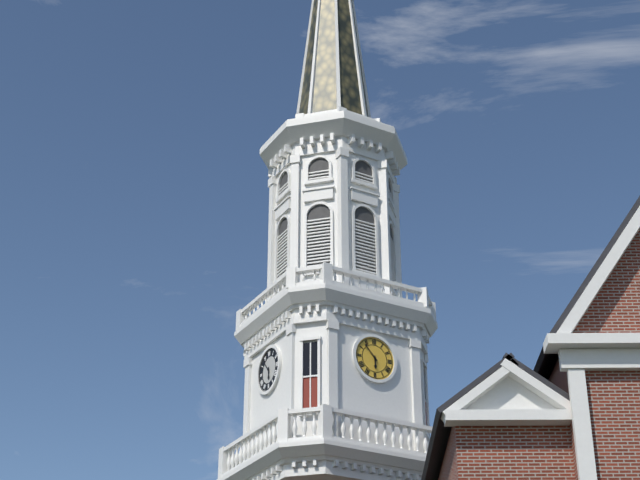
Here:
h=5 m=53
